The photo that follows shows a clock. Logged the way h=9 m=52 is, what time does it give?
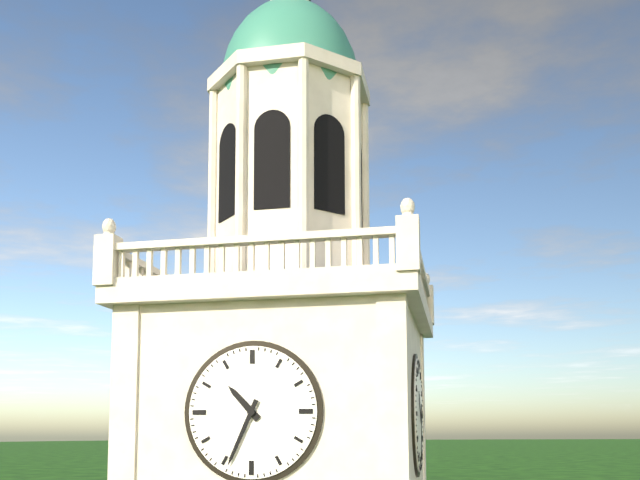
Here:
h=10 m=34
